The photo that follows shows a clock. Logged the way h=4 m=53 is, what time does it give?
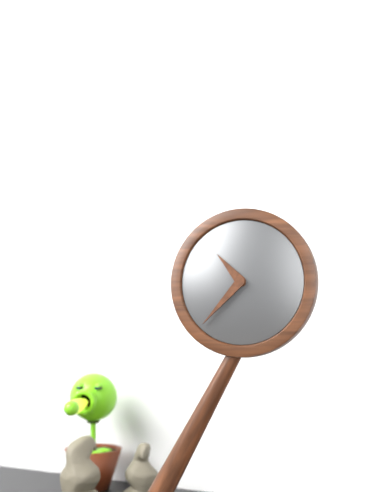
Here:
h=10 m=37
